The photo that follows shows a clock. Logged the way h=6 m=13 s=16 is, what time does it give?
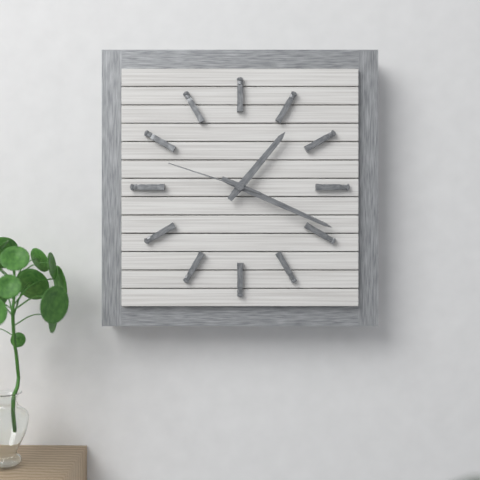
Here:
h=1 m=19 s=48
